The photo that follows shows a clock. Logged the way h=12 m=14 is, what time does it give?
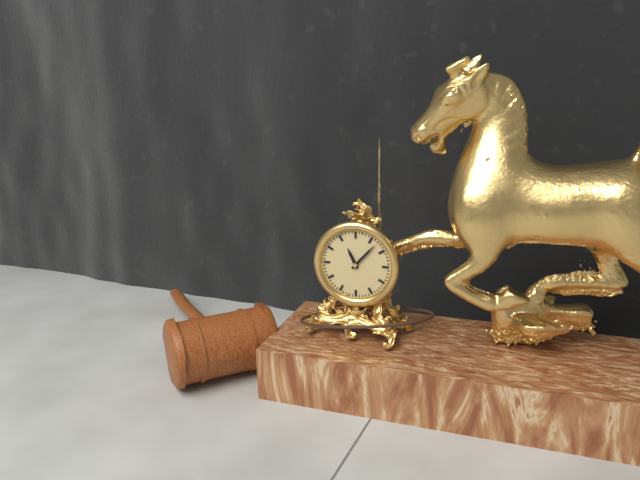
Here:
h=11 m=7
